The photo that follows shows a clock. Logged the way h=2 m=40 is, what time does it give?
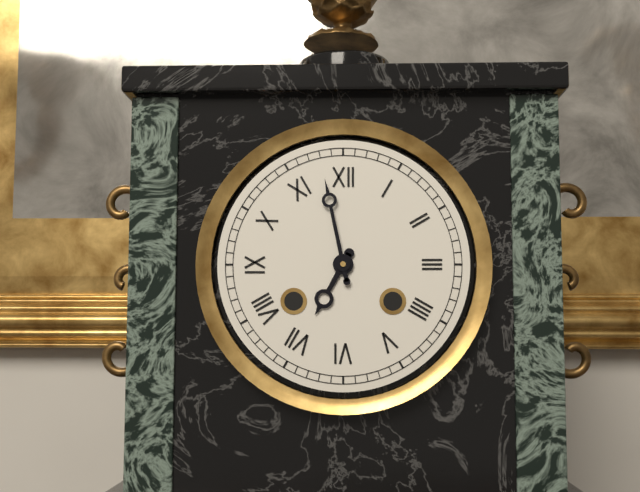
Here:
h=6 m=58
